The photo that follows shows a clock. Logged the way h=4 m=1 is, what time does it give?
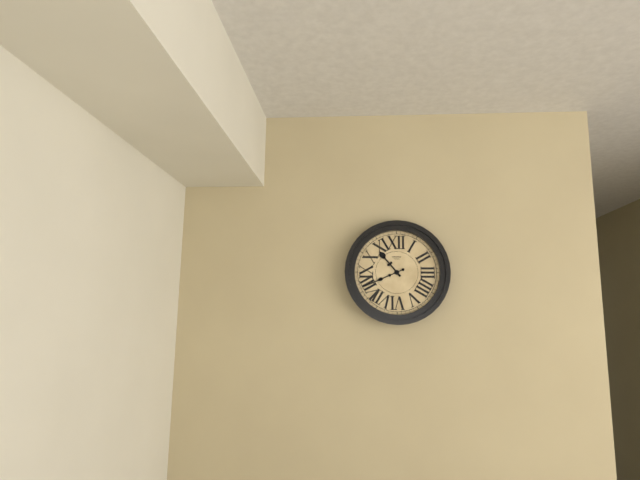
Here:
h=10 m=41
